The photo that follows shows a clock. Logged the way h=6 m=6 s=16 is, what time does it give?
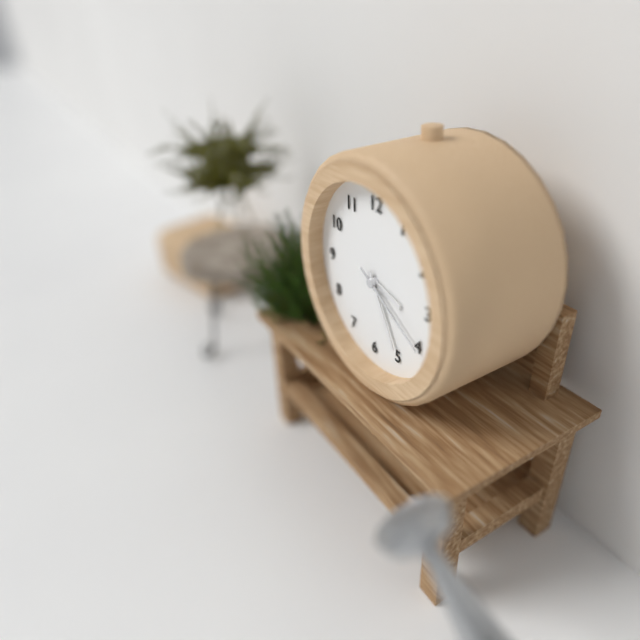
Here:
h=3 m=25 s=20
